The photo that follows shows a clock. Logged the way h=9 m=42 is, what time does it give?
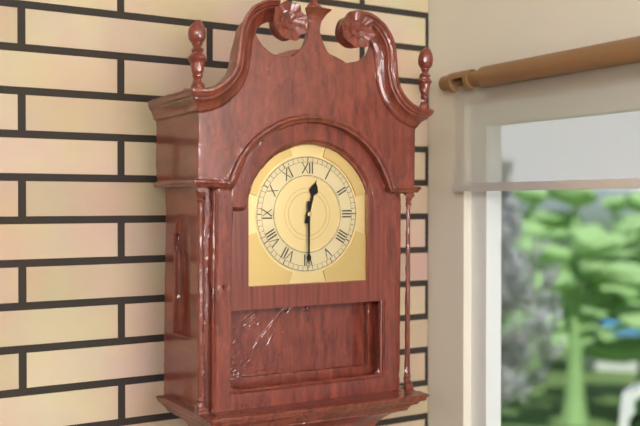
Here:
h=12 m=30
